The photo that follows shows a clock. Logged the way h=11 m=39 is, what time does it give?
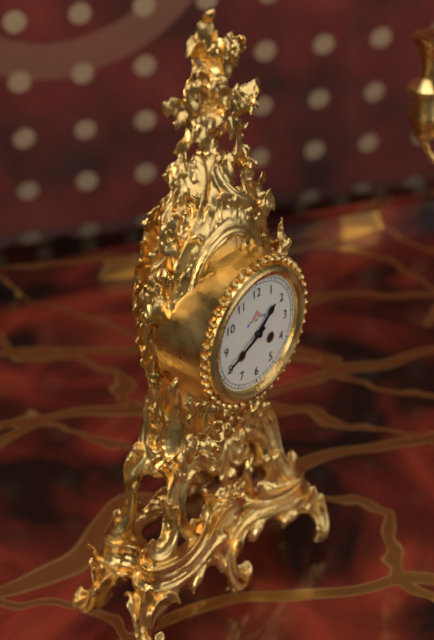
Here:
h=1 m=41
